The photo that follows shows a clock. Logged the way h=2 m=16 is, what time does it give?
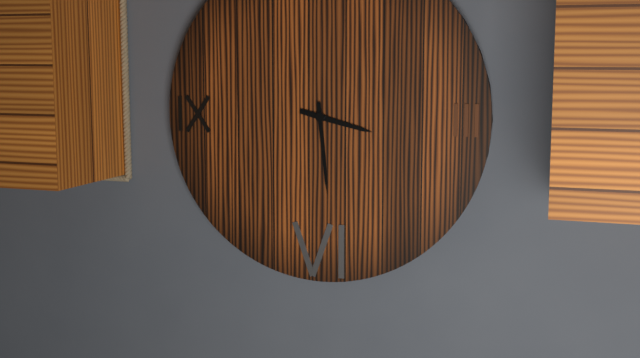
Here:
h=3 m=29
